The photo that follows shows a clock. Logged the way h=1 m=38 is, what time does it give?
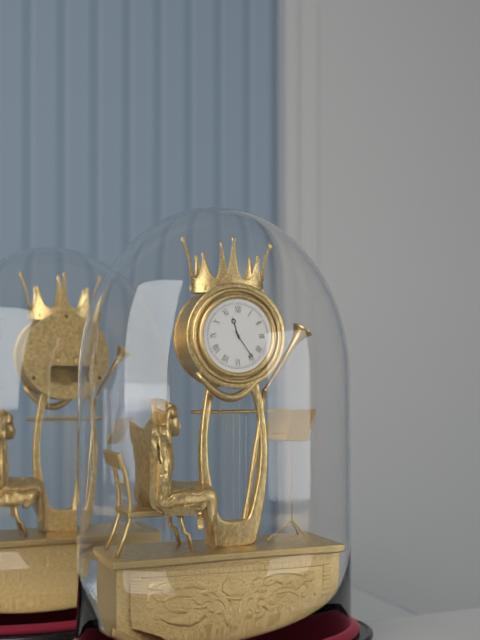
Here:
h=11 m=24
